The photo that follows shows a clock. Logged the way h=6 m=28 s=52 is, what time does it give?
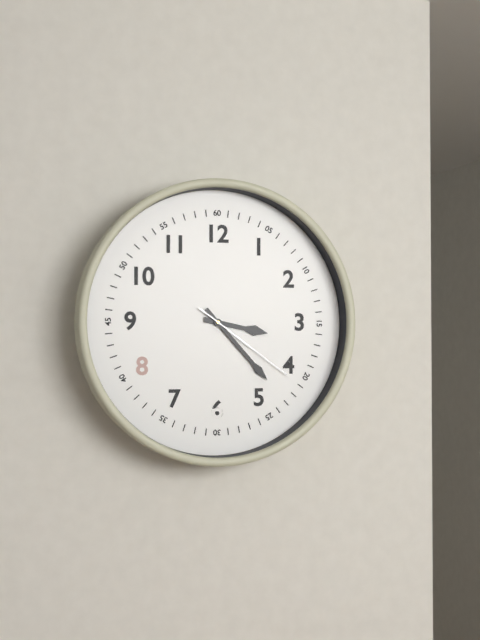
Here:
h=3 m=23 s=21
